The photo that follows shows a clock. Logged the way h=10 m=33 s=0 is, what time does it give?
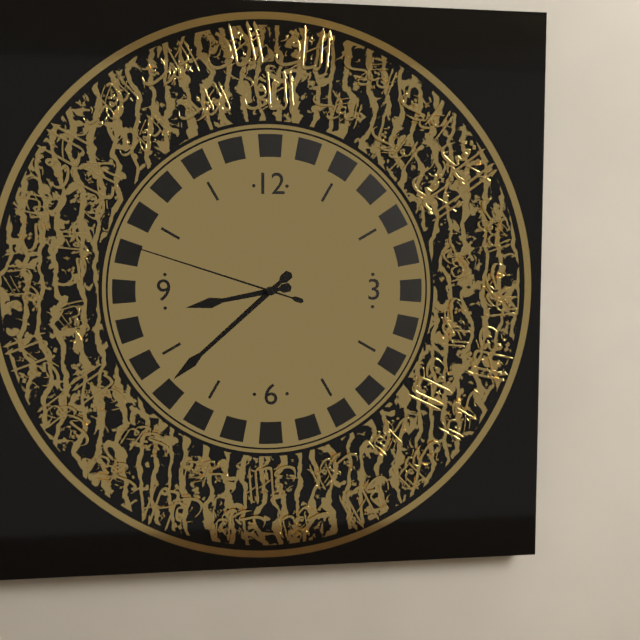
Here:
h=8 m=38 s=48
